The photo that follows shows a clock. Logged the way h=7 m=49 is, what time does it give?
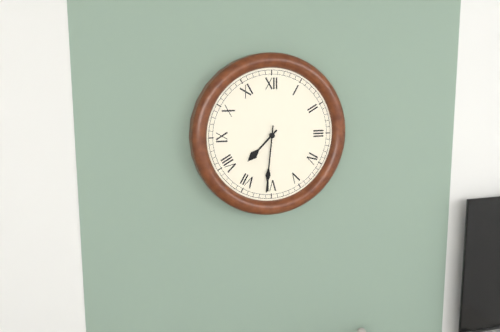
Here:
h=7 m=31
